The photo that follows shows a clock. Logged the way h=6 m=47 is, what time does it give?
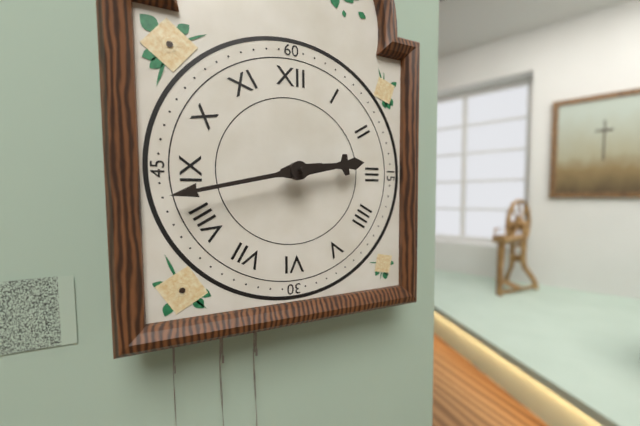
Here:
h=2 m=43
